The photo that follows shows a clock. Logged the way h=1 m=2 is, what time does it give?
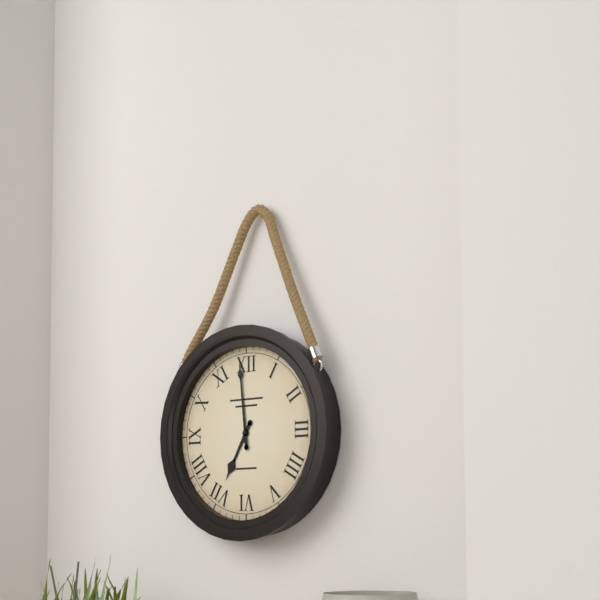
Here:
h=6 m=59
